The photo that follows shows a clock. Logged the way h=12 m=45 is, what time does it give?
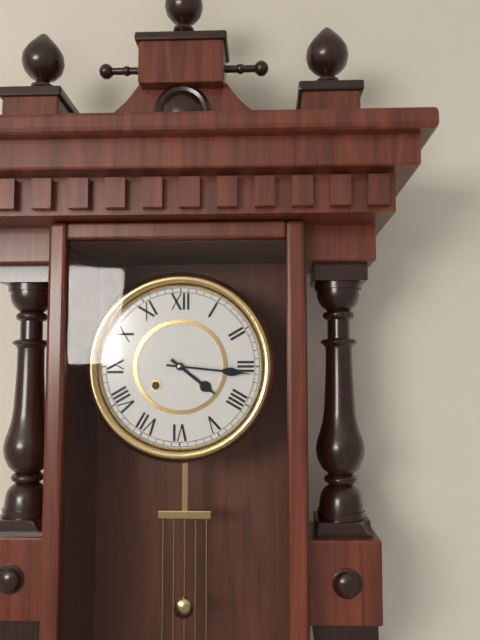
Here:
h=4 m=16
